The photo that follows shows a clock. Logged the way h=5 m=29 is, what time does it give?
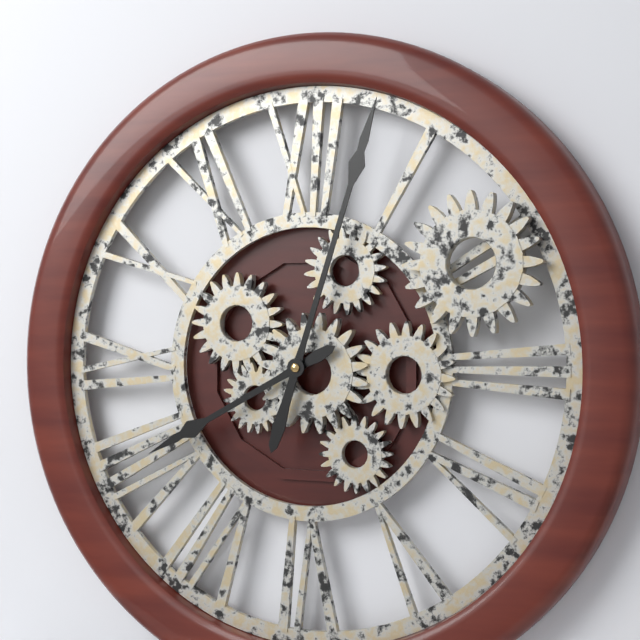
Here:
h=8 m=3
